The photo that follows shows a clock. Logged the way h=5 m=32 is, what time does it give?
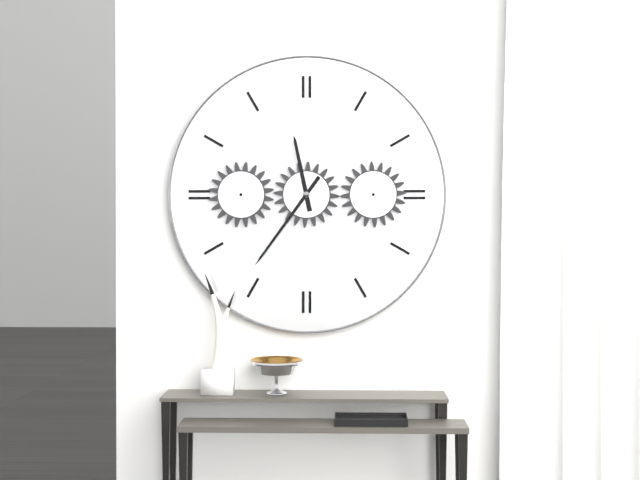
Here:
h=11 m=36
